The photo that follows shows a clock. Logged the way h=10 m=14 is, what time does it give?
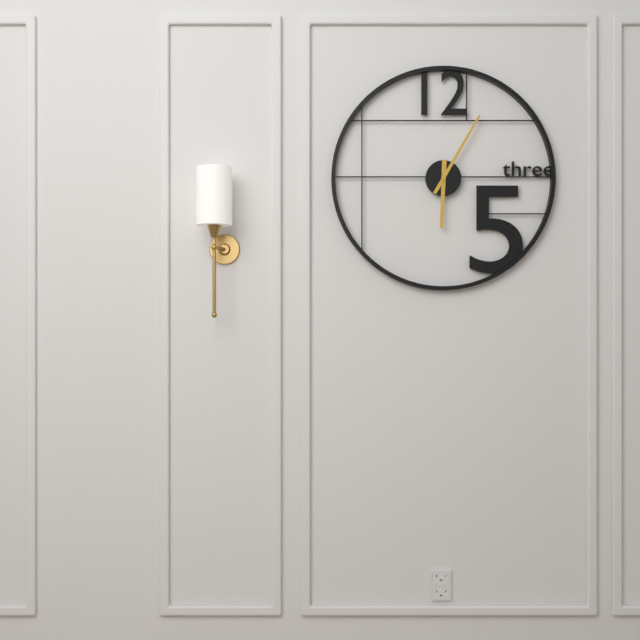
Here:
h=6 m=5
